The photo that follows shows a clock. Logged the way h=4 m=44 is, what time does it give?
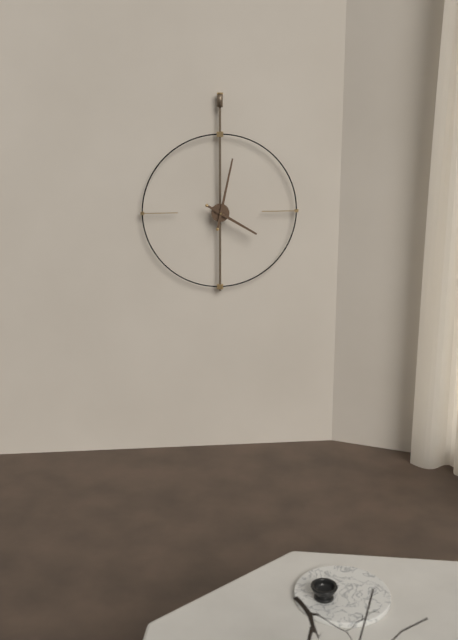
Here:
h=4 m=2
